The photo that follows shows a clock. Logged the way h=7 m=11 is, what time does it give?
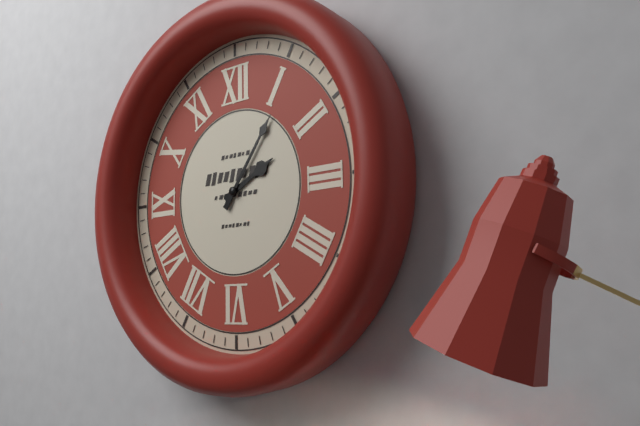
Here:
h=2 m=6
